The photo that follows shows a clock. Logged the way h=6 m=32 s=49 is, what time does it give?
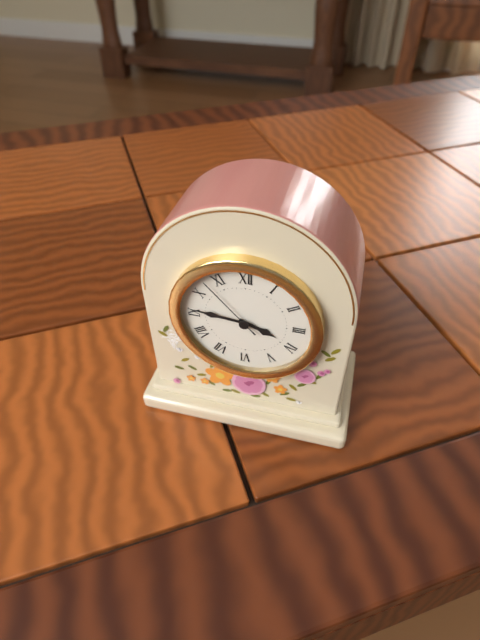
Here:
h=3 m=46 s=53
